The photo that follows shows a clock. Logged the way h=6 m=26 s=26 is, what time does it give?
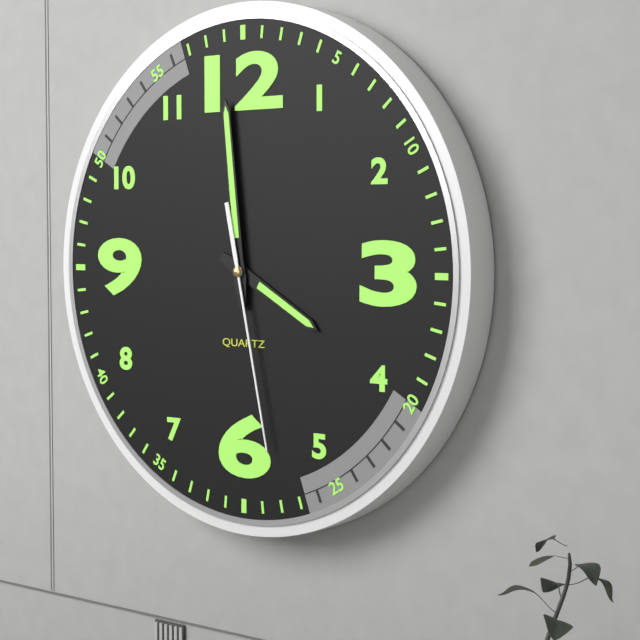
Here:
h=3 m=59 s=28
